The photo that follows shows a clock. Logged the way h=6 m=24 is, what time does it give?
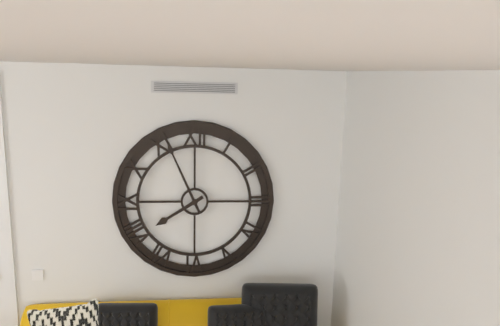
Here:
h=7 m=56
